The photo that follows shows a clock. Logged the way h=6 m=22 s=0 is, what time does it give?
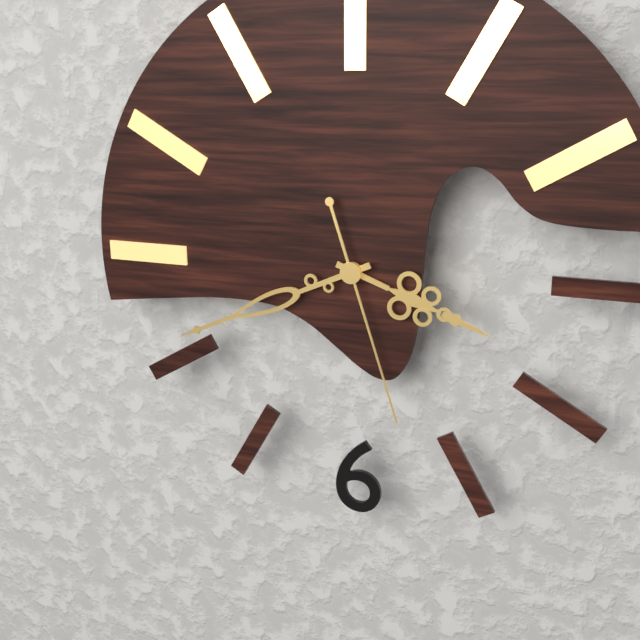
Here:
h=3 m=41 s=27
